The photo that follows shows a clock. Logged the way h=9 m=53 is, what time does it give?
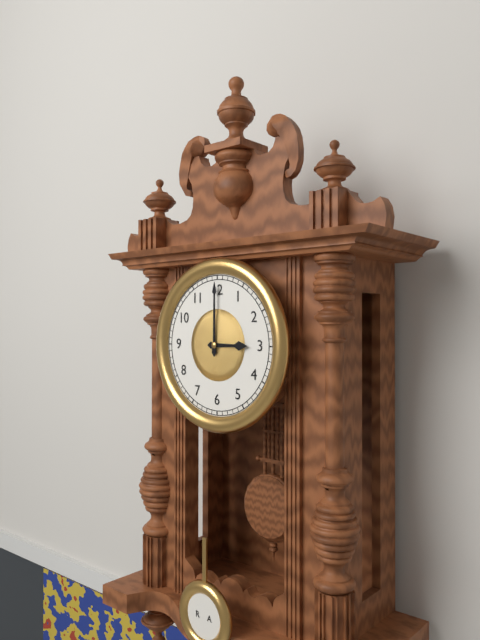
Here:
h=3 m=0
